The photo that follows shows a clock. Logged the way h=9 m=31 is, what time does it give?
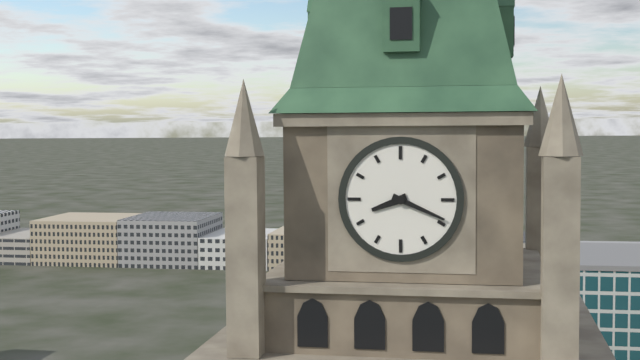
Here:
h=8 m=19
